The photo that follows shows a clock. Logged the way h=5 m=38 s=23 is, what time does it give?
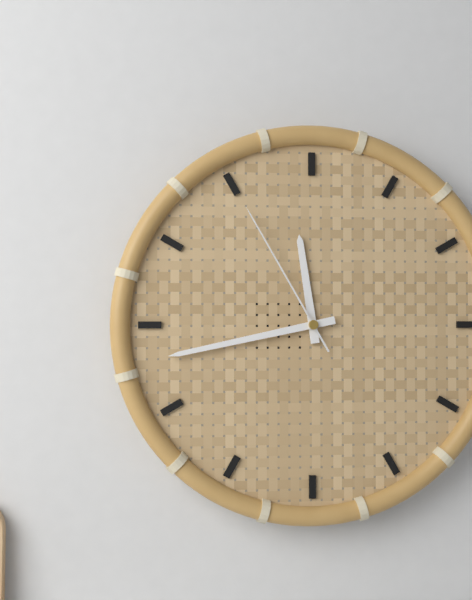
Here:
h=11 m=43 s=55
